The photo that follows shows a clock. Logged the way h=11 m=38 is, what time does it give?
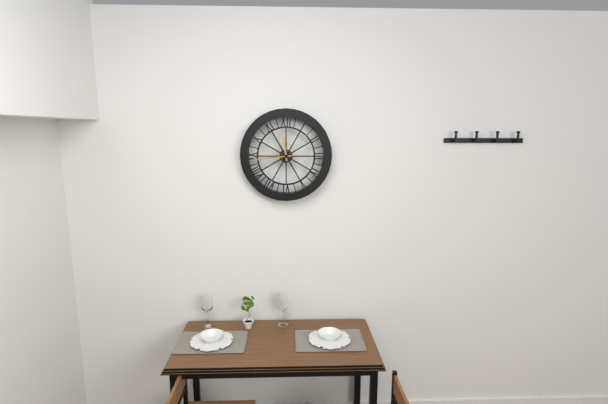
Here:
h=11 m=44
